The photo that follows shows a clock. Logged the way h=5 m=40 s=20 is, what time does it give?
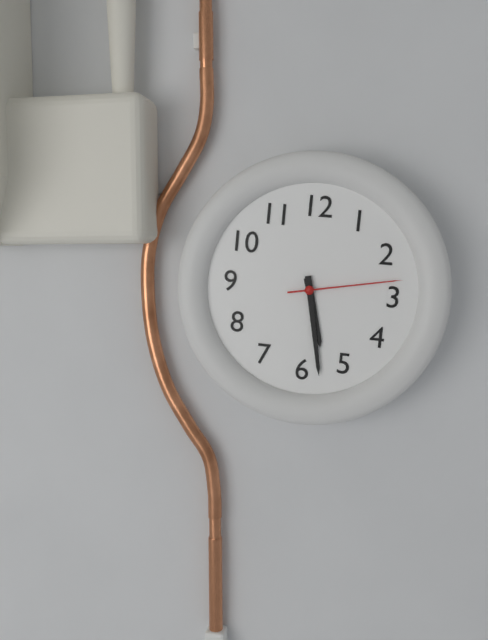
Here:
h=5 m=28 s=13
